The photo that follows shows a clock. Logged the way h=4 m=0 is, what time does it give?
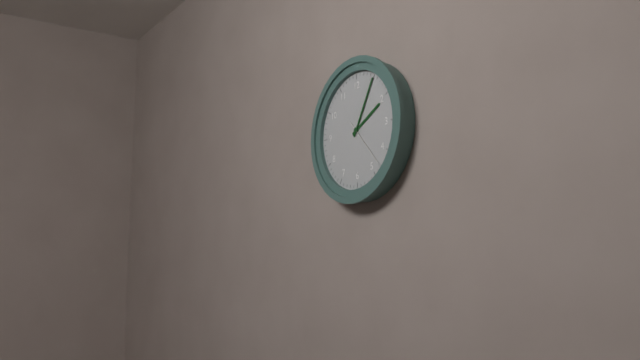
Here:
h=2 m=5
